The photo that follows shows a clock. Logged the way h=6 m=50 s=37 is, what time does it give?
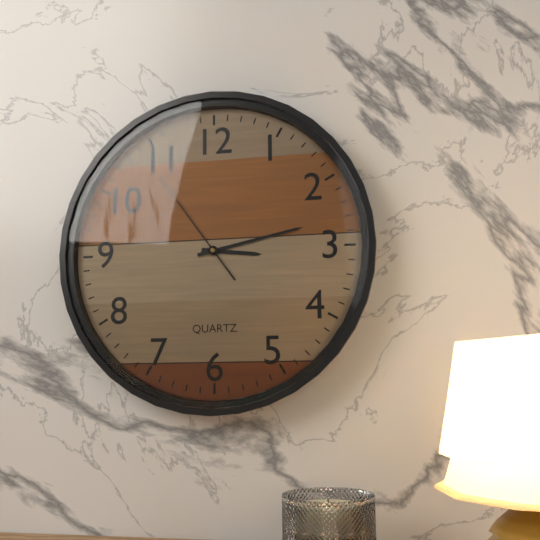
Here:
h=3 m=13 s=54
